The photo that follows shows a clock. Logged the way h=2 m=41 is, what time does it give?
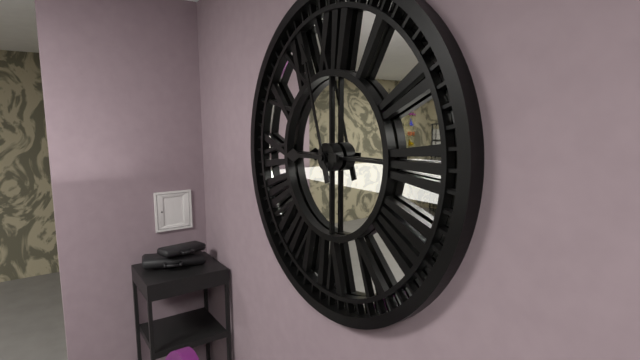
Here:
h=8 m=57
